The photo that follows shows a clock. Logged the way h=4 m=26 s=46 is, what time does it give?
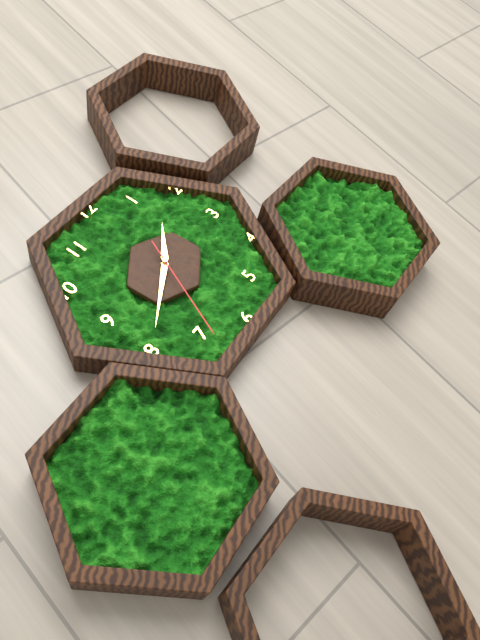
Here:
h=1 m=40 s=34
